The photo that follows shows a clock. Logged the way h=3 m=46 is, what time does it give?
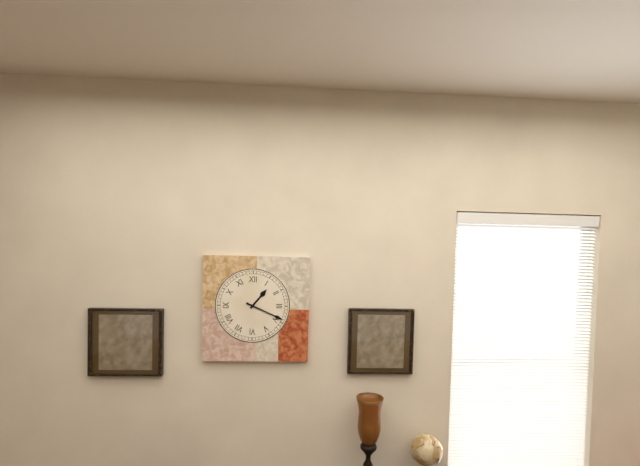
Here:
h=1 m=19
